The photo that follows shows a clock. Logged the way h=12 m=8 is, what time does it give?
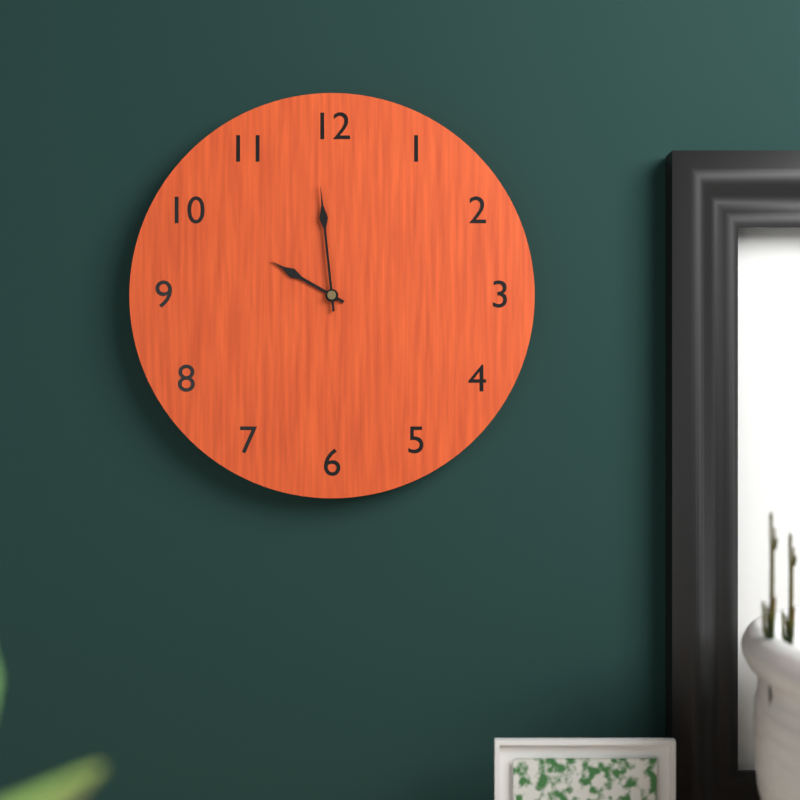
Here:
h=9 m=59
